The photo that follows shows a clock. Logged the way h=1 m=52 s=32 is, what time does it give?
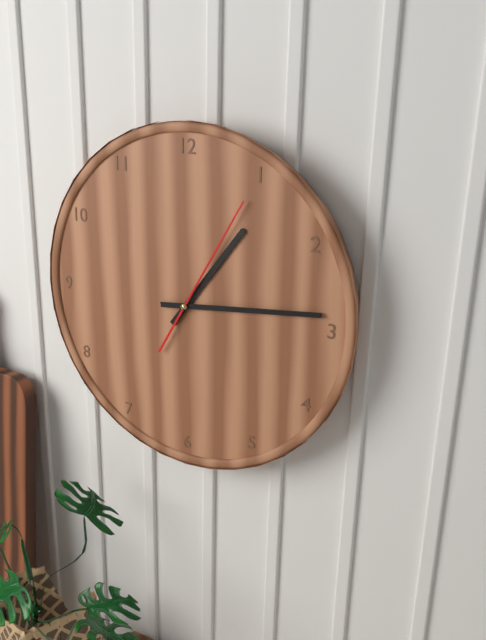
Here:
h=1 m=14 s=5
